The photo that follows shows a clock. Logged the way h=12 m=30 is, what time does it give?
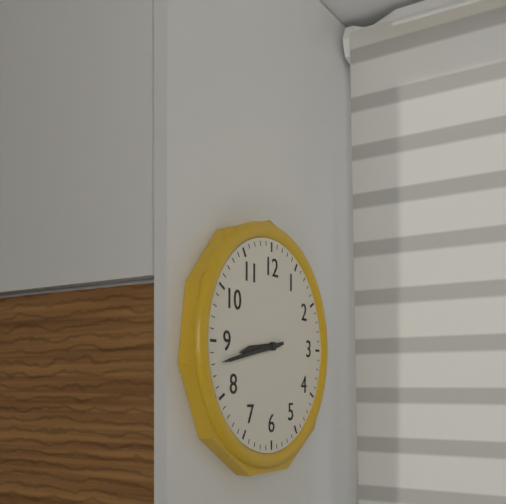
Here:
h=8 m=43
